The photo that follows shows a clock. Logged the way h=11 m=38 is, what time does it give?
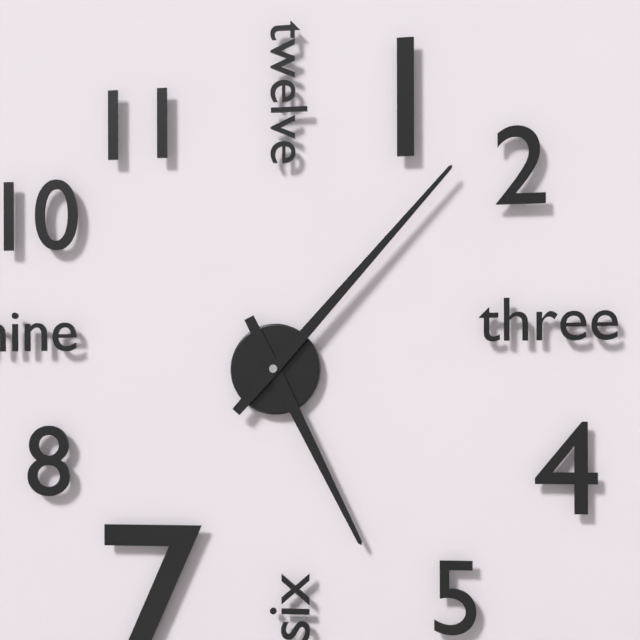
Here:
h=5 m=7
